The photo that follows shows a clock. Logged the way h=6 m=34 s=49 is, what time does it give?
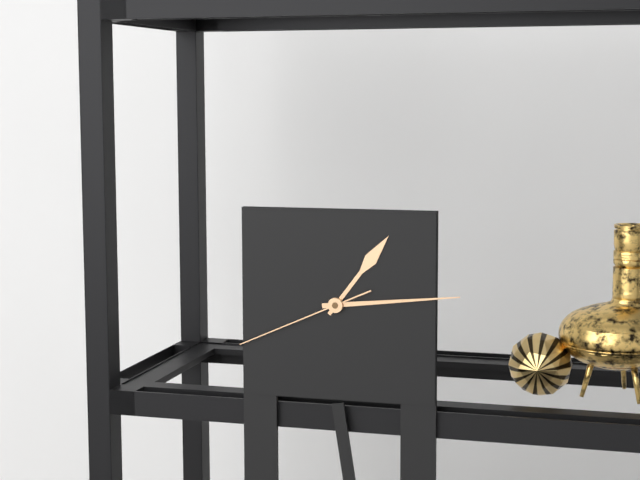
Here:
h=1 m=14 s=41
